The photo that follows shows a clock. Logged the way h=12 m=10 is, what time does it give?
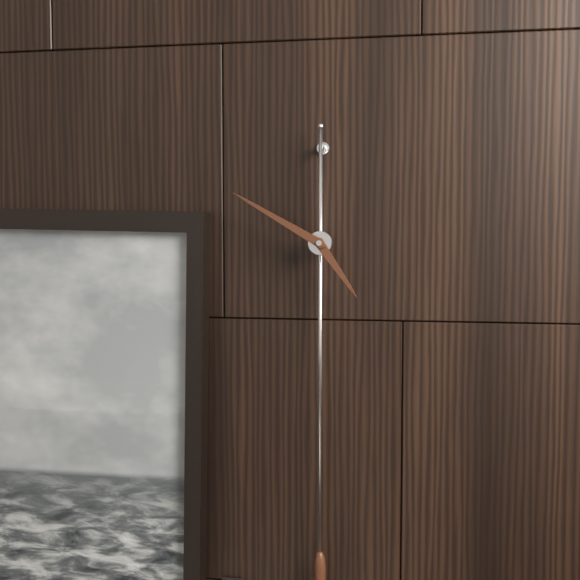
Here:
h=4 m=50
